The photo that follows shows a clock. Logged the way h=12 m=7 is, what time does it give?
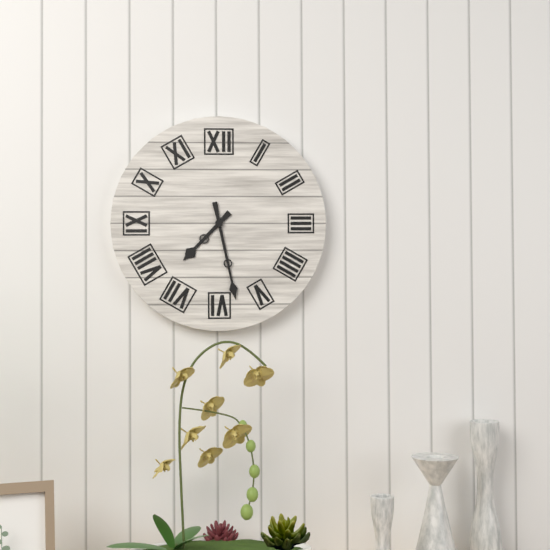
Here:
h=7 m=28
